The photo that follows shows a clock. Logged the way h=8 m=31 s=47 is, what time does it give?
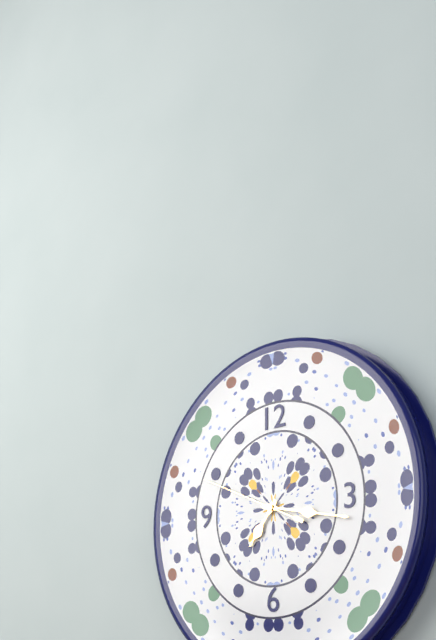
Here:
h=7 m=17 s=49
